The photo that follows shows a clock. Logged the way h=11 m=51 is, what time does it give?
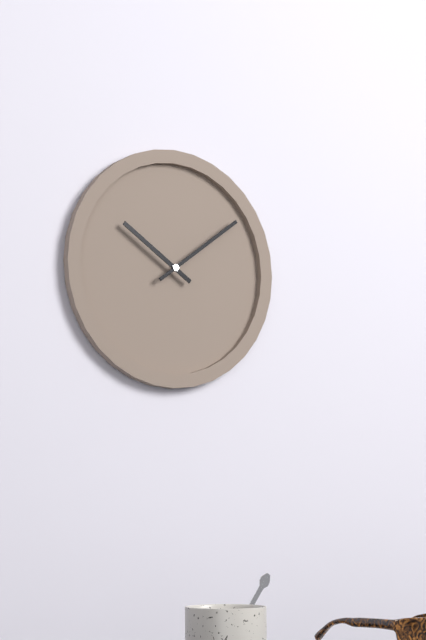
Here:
h=10 m=9
